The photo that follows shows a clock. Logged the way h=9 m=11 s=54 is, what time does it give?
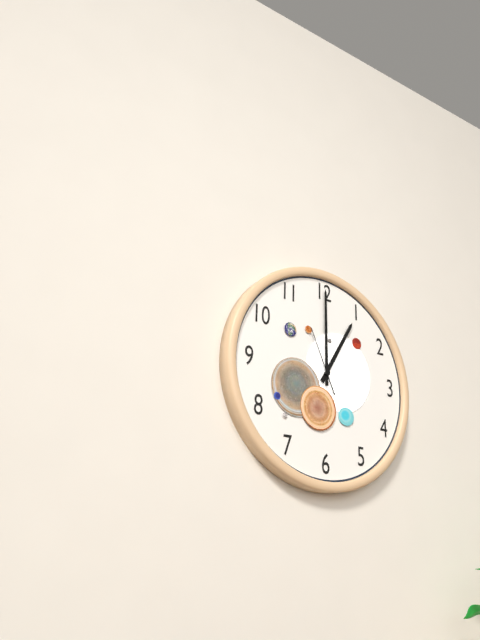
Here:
h=1 m=0 s=56
